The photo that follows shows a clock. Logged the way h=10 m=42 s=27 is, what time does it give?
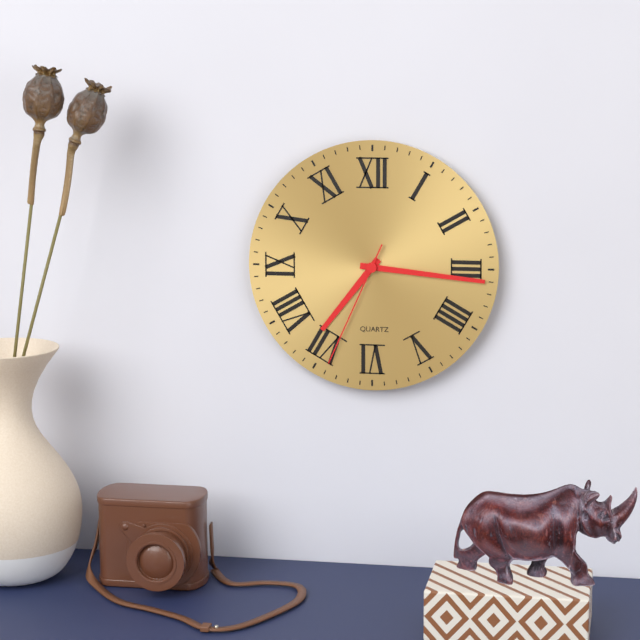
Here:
h=7 m=16 s=34
